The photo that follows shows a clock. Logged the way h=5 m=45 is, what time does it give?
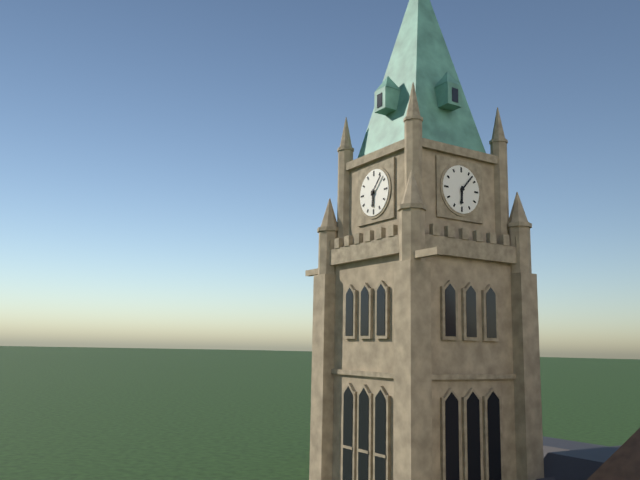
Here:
h=6 m=7
